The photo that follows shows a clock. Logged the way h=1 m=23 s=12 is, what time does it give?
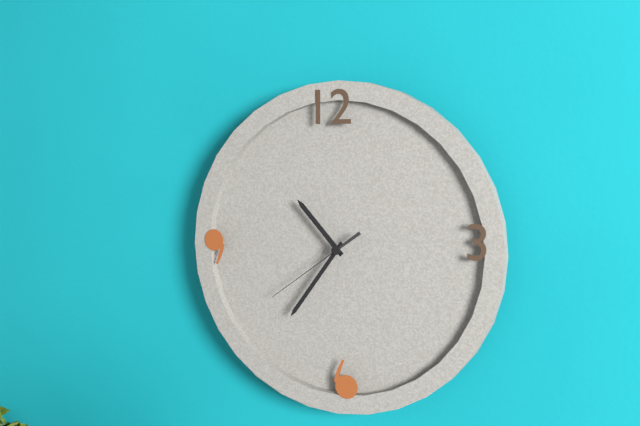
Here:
h=10 m=36 s=39
